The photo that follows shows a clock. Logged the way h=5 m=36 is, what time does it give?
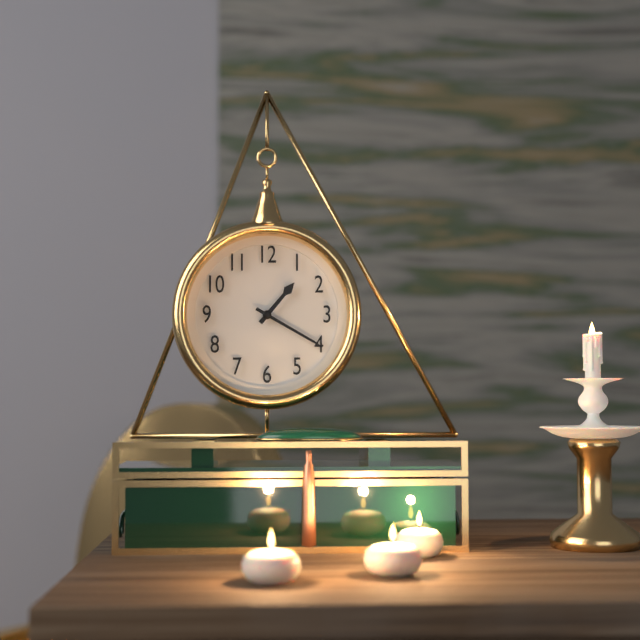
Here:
h=1 m=20
